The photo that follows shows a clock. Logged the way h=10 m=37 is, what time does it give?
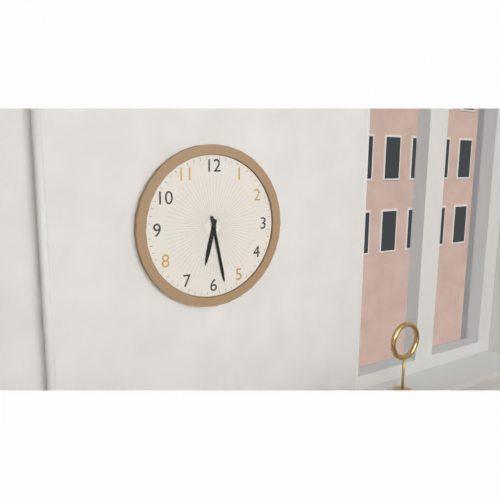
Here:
h=6 m=28
